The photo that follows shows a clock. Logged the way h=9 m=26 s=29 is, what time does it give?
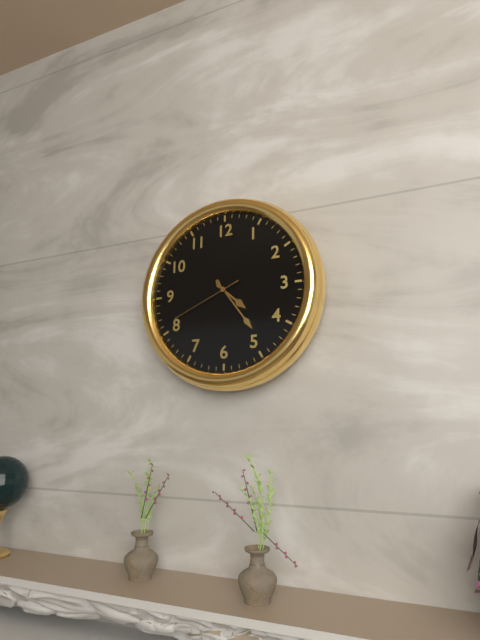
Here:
h=4 m=24 s=41
